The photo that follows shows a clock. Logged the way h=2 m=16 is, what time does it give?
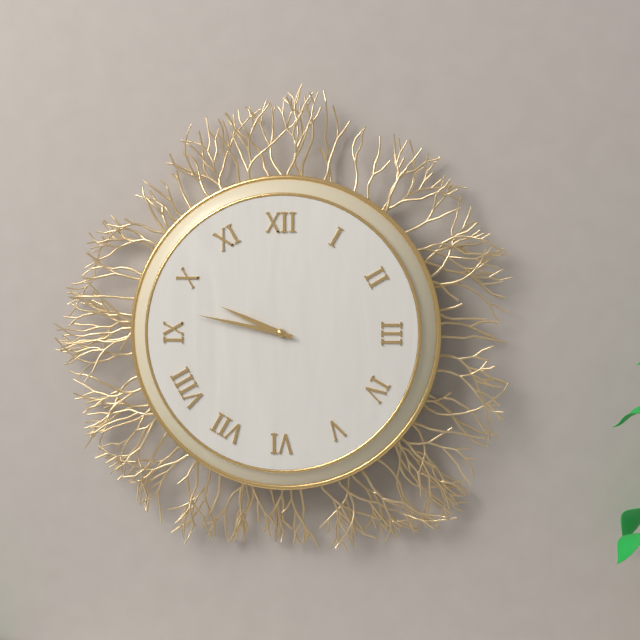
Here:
h=9 m=47
